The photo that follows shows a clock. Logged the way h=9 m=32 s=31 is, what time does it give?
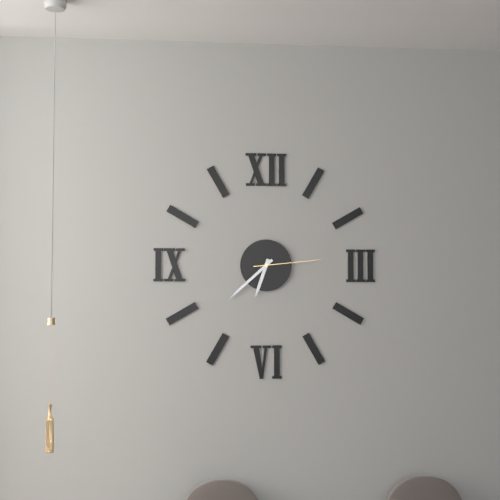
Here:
h=6 m=38 s=14
